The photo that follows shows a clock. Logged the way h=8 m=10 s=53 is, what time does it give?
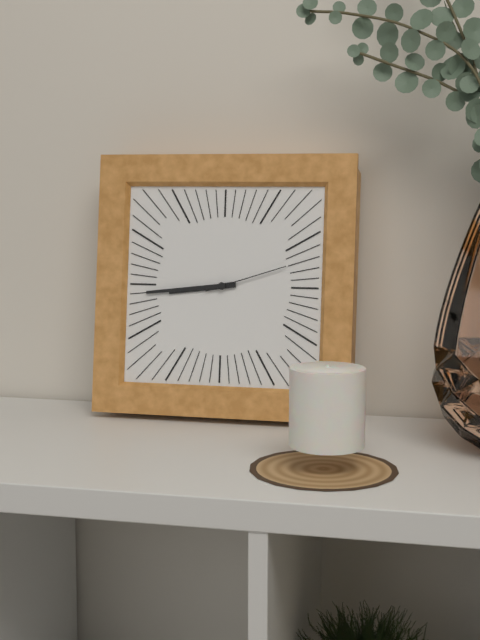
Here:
h=8 m=44 s=12
